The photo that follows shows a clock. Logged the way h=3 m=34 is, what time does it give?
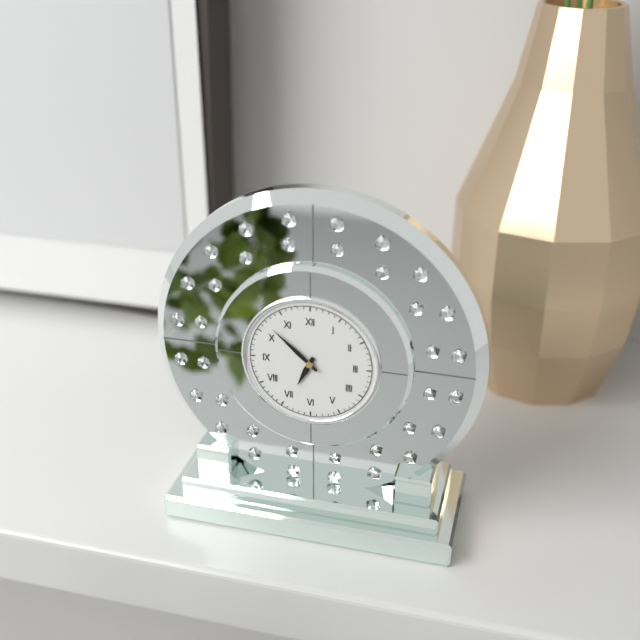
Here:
h=6 m=52
